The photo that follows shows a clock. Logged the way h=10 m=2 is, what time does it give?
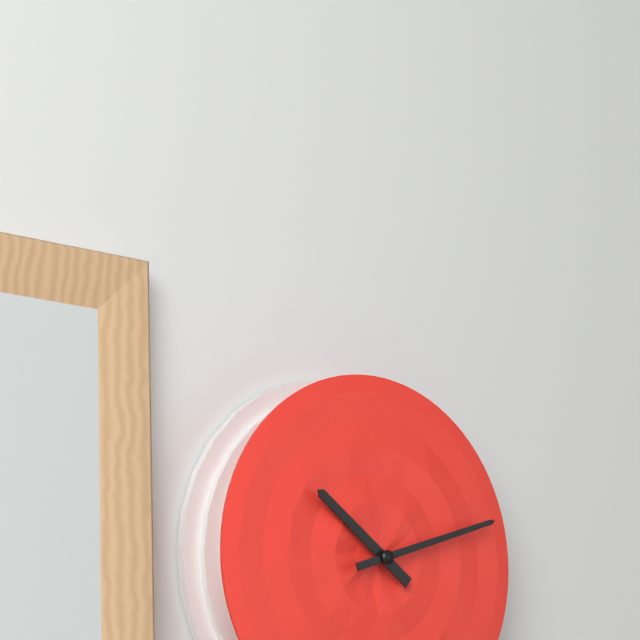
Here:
h=10 m=12
